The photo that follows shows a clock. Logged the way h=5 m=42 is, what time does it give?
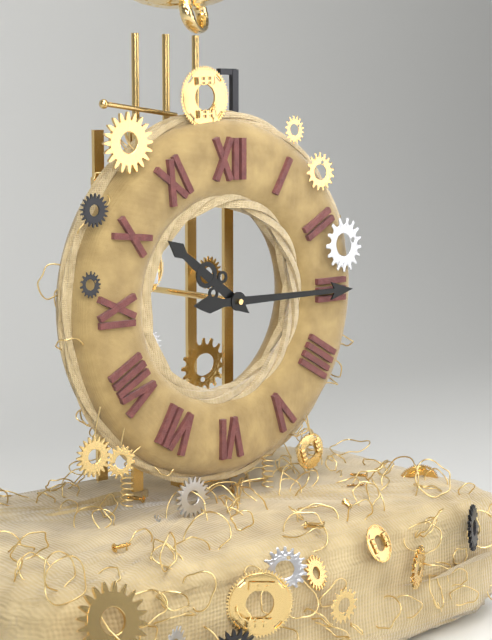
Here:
h=10 m=15
